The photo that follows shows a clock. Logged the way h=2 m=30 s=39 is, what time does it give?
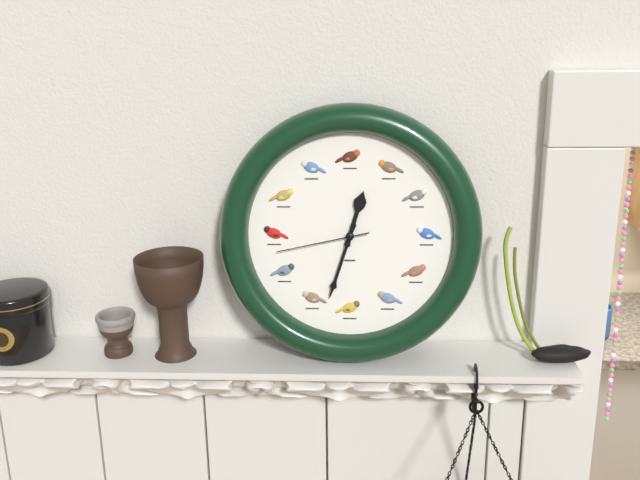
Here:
h=12 m=33 s=43
